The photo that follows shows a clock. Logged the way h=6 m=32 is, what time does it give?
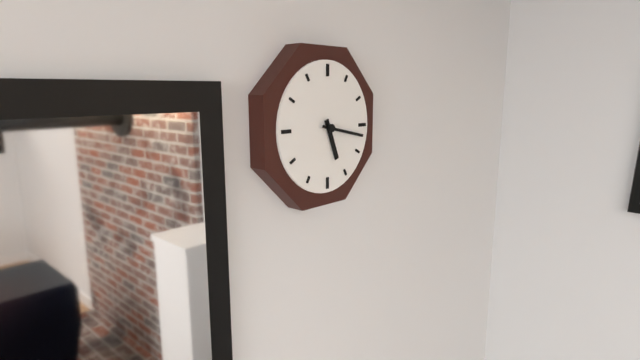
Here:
h=5 m=17
